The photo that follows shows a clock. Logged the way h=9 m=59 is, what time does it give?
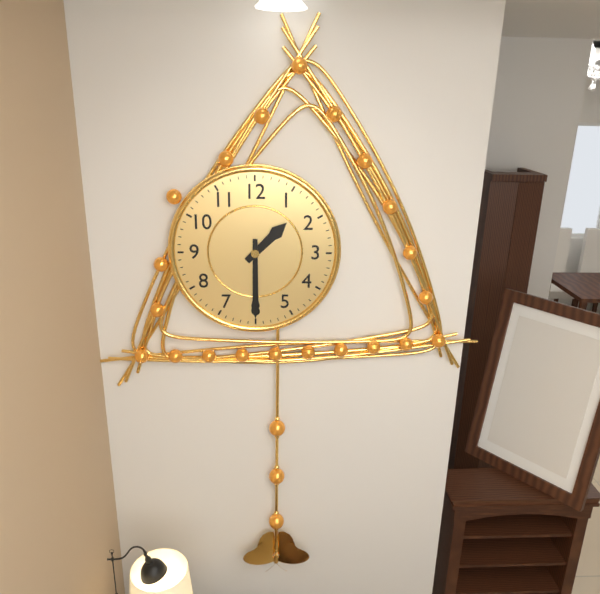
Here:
h=1 m=30
